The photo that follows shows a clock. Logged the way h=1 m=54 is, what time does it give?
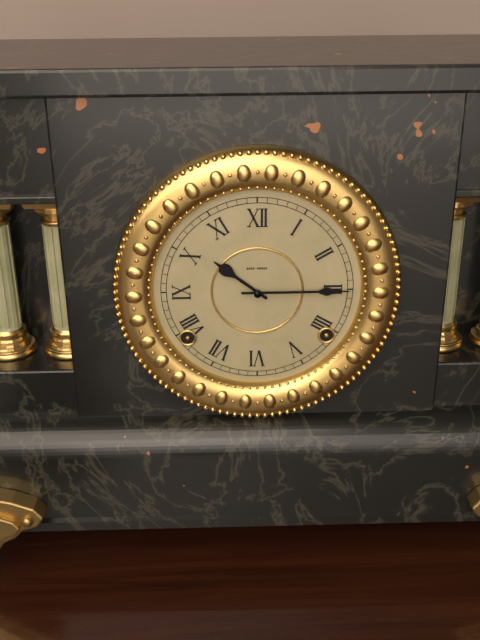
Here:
h=10 m=15
